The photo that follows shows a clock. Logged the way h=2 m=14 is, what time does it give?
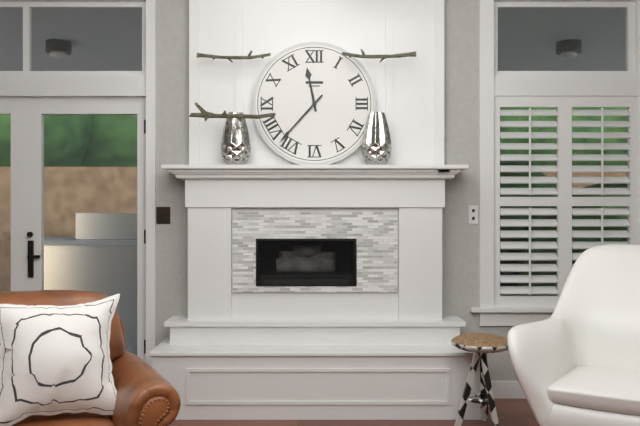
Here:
h=11 m=37
